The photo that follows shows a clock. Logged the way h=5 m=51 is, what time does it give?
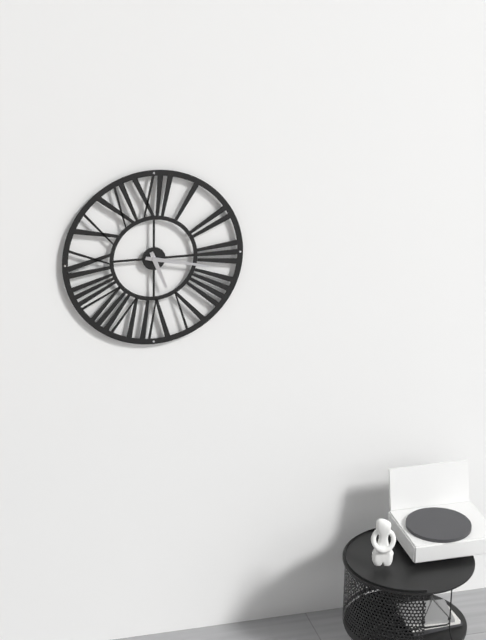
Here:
h=5 m=17
